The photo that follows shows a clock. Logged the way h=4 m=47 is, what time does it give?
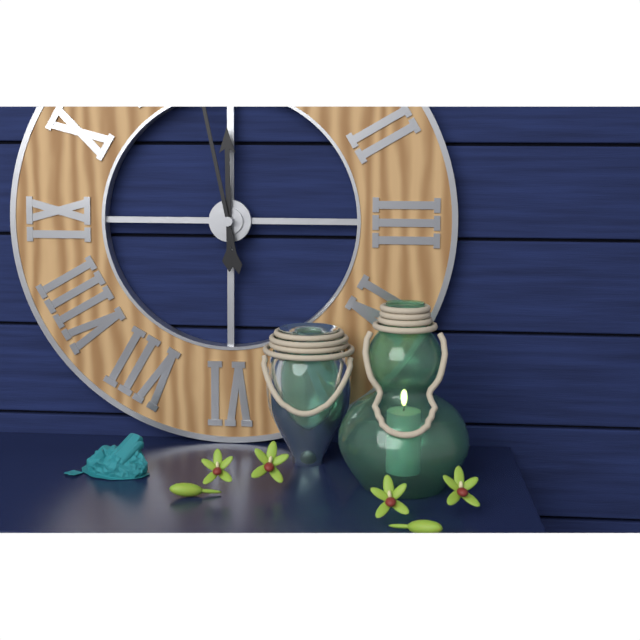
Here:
h=11 m=58
